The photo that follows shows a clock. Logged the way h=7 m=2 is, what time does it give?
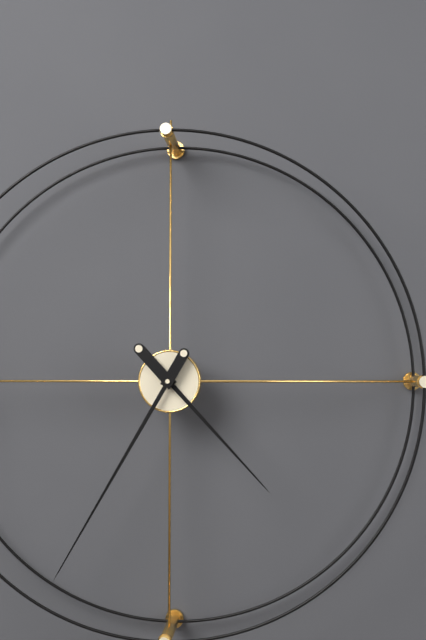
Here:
h=4 m=35
